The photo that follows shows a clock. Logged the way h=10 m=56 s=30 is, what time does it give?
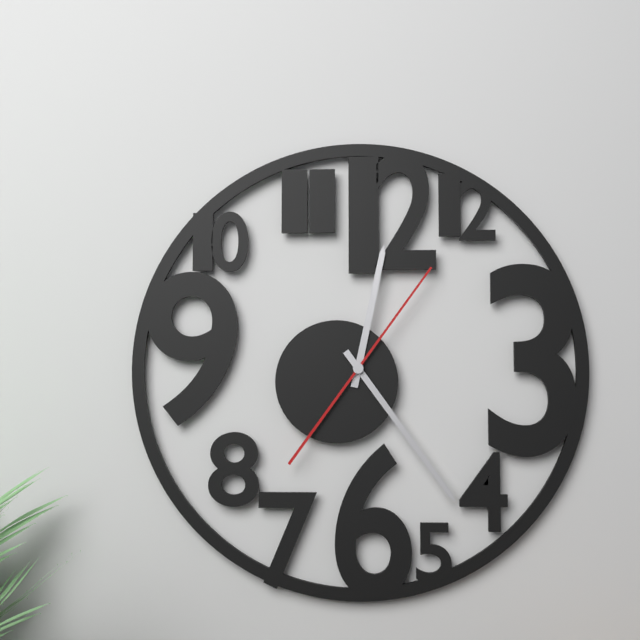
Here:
h=12 m=24 s=6
